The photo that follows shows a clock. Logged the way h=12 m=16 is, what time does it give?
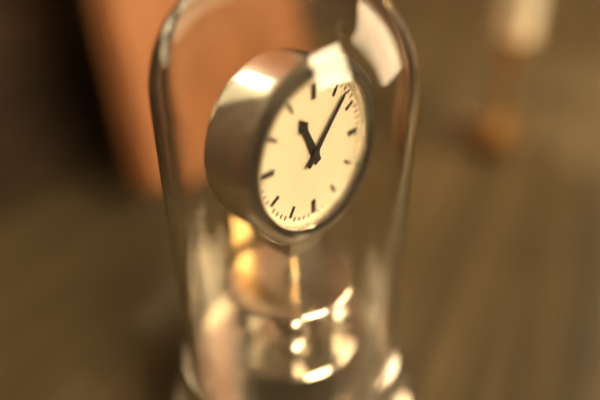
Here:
h=11 m=7
